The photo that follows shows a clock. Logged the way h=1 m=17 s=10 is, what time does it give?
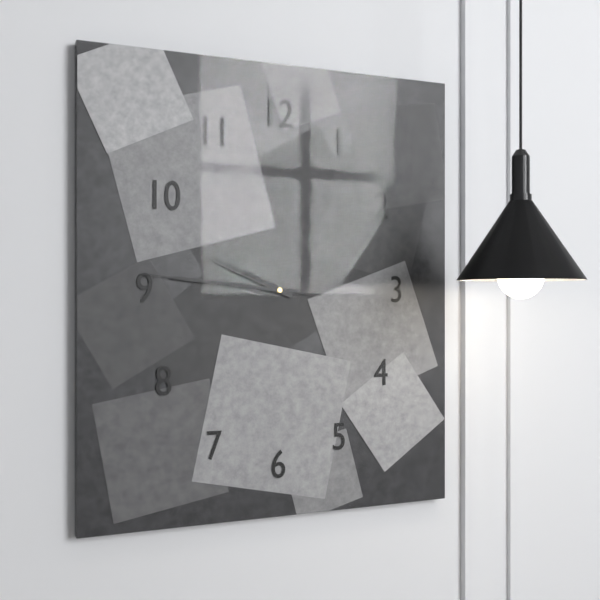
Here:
h=9 m=46 s=46
